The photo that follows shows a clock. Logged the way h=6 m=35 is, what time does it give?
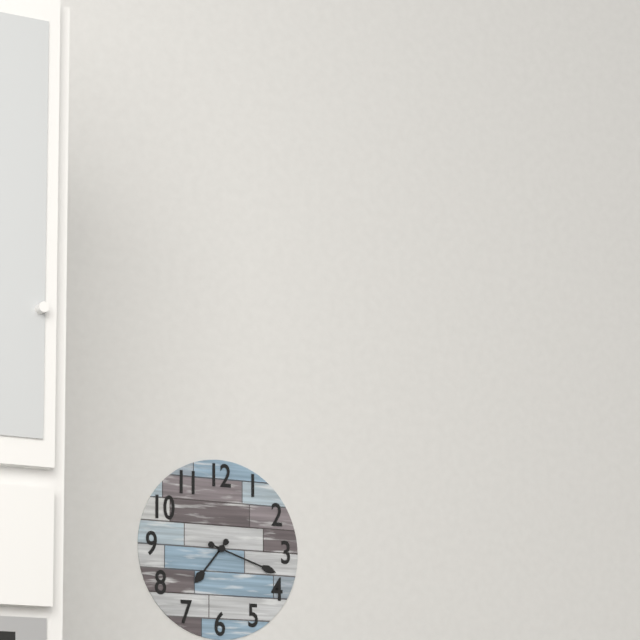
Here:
h=7 m=18
